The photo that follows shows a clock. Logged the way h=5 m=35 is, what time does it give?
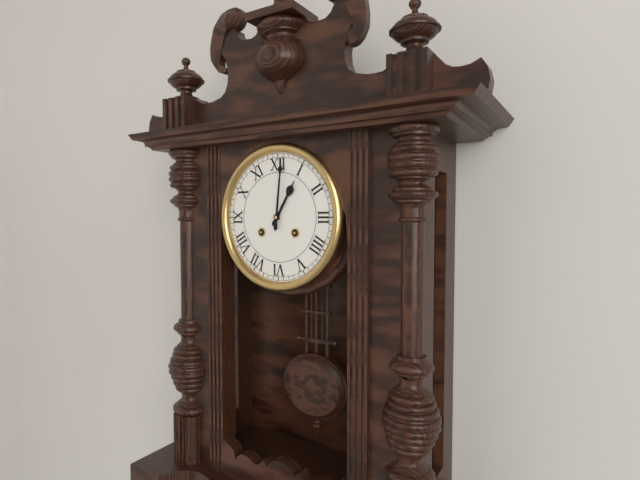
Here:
h=1 m=1
